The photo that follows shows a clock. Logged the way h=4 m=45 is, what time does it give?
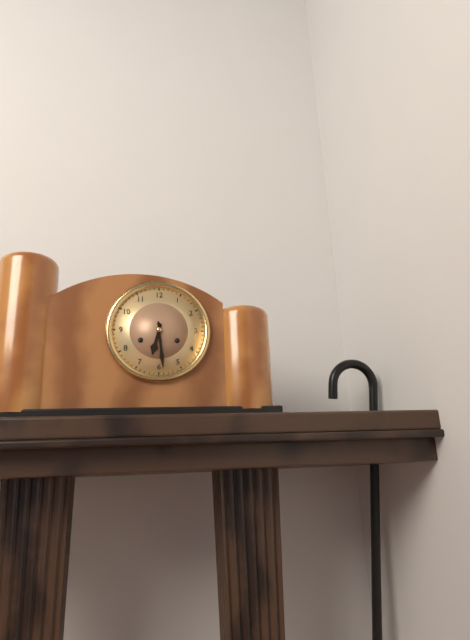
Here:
h=6 m=29
